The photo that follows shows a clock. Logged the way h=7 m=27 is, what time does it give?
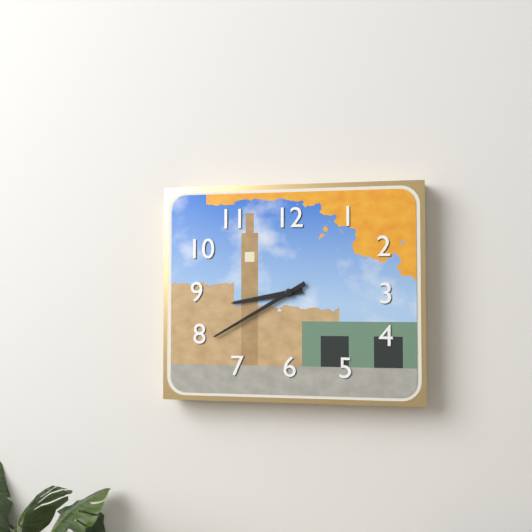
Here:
h=8 m=40
